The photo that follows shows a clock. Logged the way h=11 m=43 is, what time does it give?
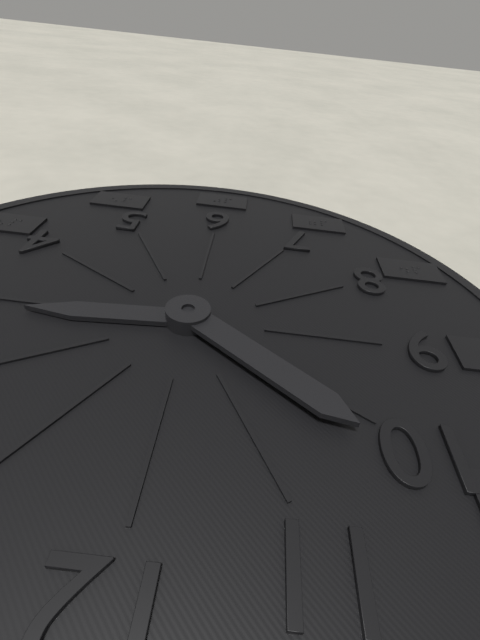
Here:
h=2 m=51
